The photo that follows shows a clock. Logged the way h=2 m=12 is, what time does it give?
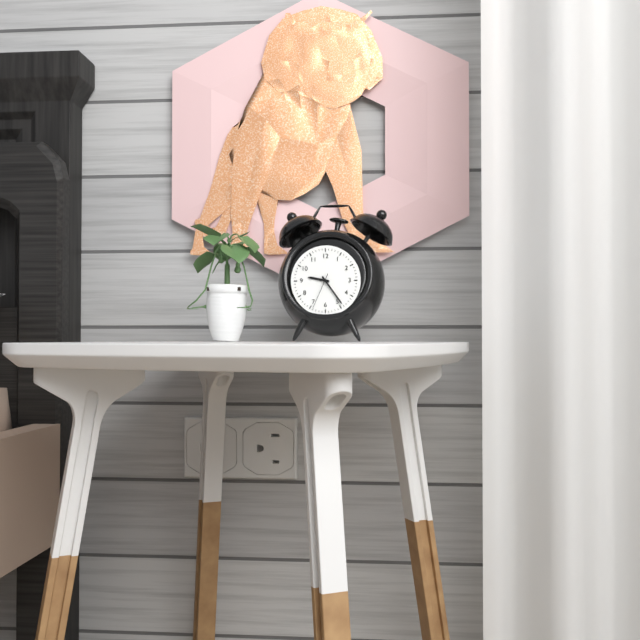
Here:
h=9 m=24
